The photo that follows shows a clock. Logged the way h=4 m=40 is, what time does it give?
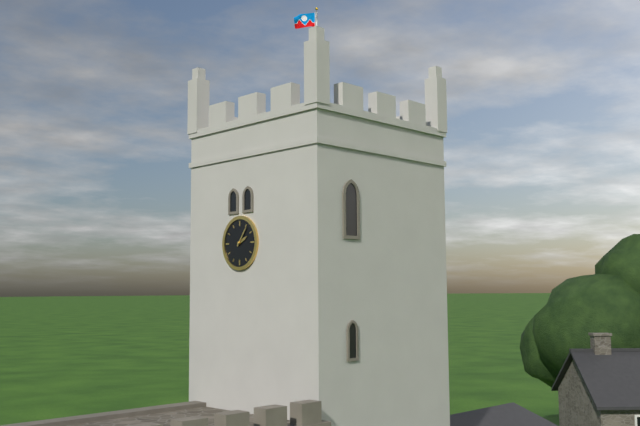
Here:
h=2 m=6
